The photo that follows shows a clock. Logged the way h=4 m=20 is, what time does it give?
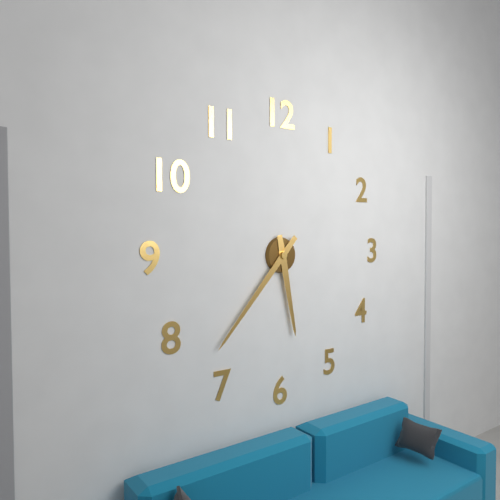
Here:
h=5 m=37
